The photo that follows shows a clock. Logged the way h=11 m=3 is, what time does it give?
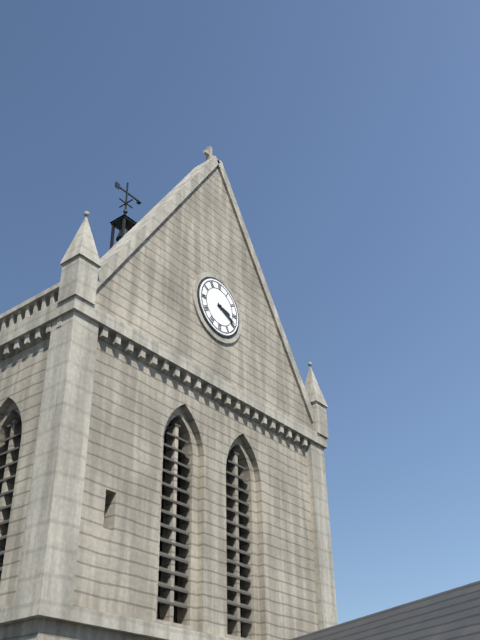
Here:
h=3 m=19
